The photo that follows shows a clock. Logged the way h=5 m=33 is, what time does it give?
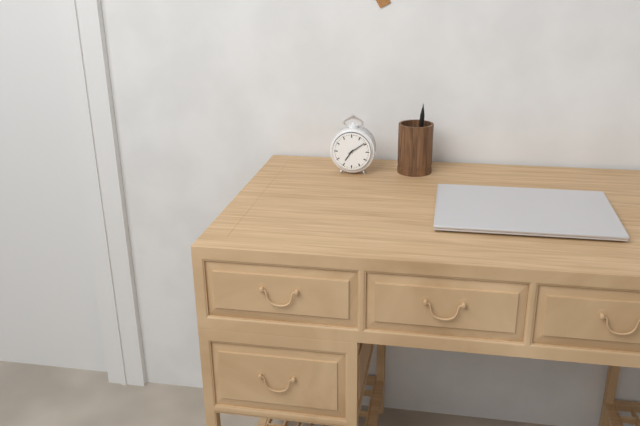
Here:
h=7 m=9
